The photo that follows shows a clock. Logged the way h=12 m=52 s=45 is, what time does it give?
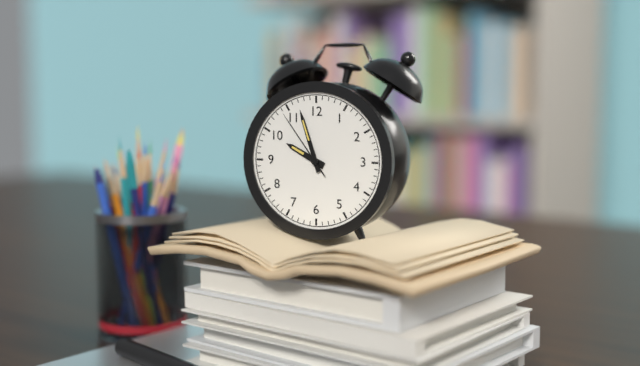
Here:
h=9 m=57 s=54
